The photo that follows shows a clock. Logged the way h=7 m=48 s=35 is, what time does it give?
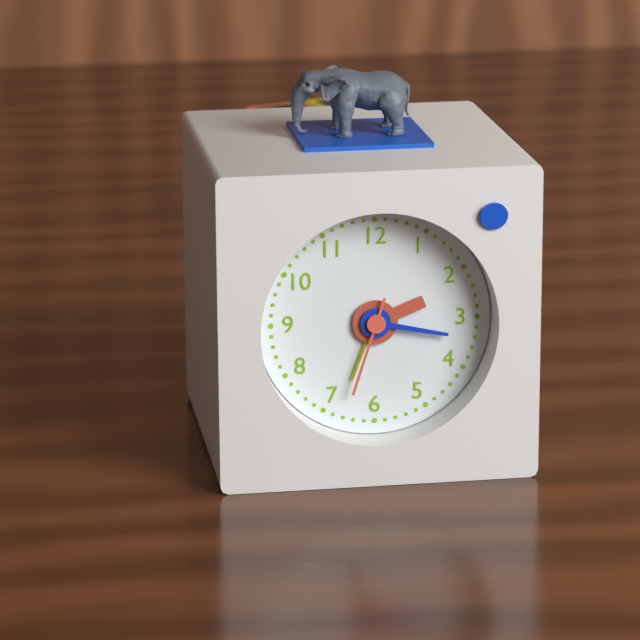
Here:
h=2 m=17 s=33
